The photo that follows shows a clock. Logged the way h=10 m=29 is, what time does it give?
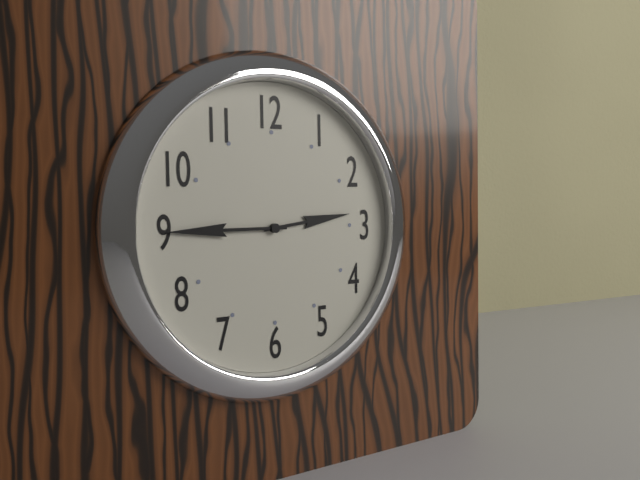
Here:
h=2 m=45
